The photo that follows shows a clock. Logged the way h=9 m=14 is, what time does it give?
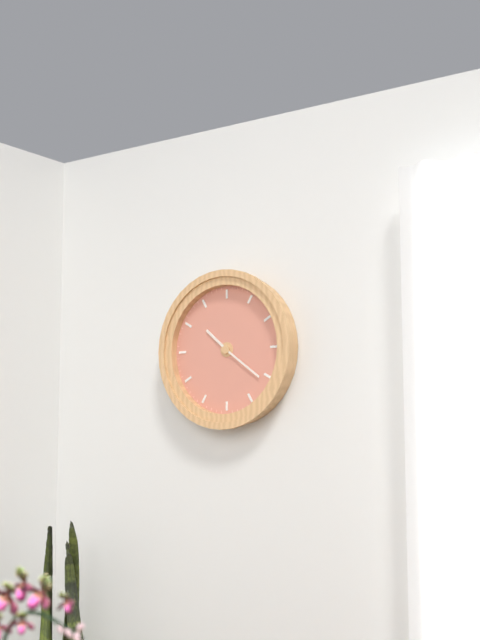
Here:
h=10 m=21
